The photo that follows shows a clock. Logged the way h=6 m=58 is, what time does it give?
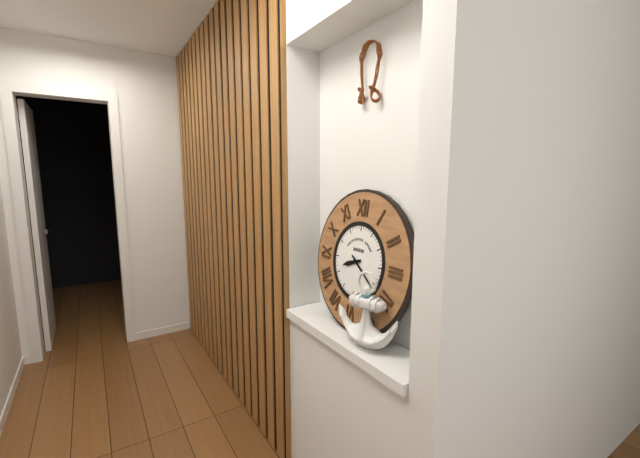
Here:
h=8 m=21
